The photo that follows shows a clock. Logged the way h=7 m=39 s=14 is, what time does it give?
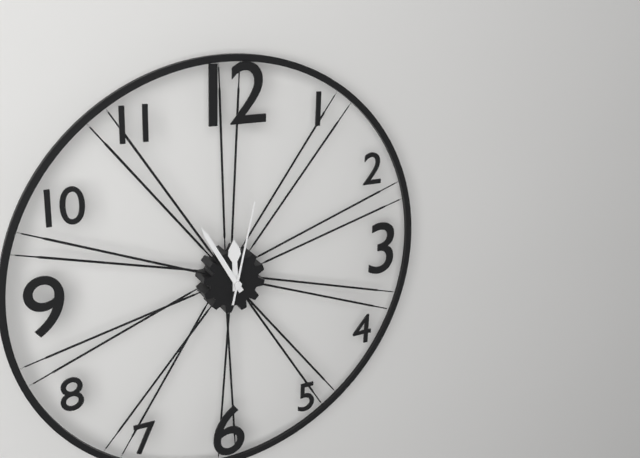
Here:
h=11 m=55 s=2
